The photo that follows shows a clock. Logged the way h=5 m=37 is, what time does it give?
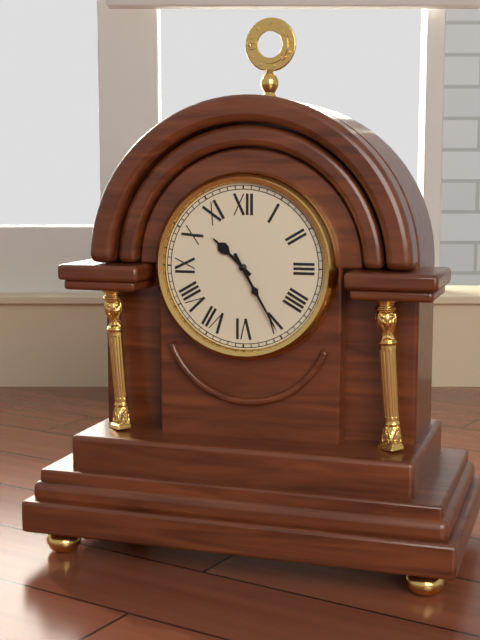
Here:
h=10 m=25
